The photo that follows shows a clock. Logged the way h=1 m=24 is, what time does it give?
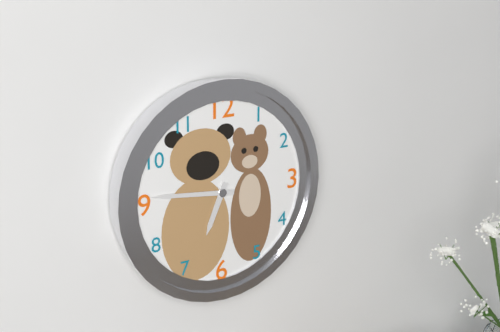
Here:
h=6 m=46
